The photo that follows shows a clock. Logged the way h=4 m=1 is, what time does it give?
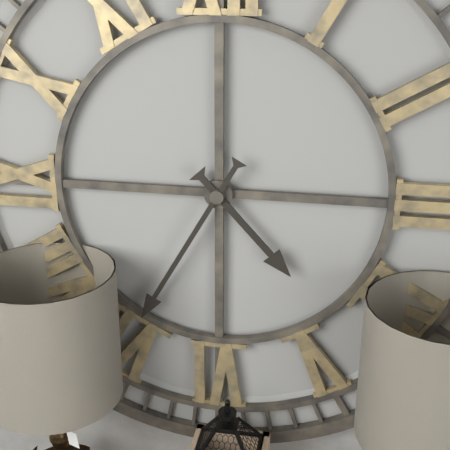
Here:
h=4 m=35
